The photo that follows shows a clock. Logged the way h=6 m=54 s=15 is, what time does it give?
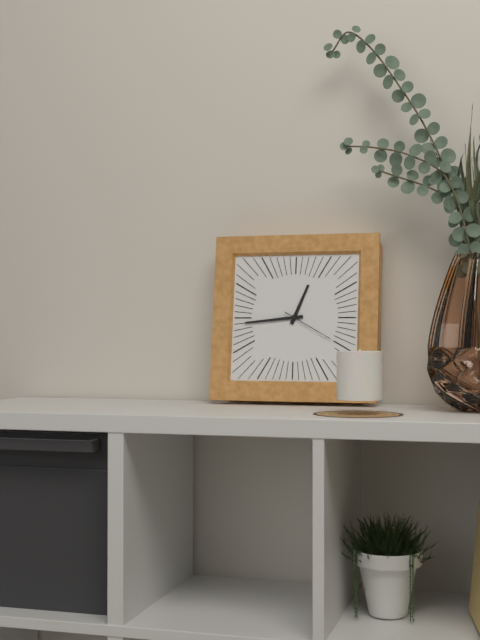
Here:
h=12 m=44 s=20
